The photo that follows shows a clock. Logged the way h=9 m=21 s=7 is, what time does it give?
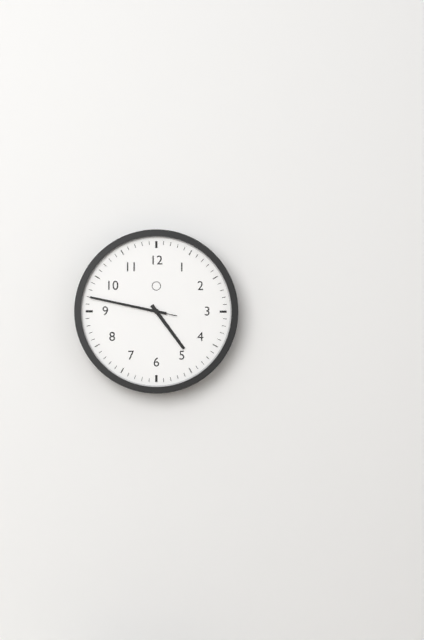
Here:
h=4 m=47 s=47
